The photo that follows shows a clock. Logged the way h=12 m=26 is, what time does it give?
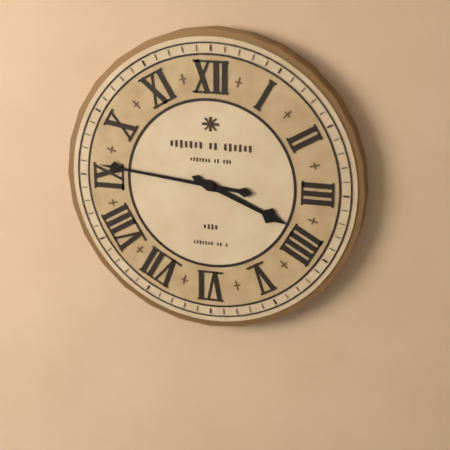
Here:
h=3 m=46
